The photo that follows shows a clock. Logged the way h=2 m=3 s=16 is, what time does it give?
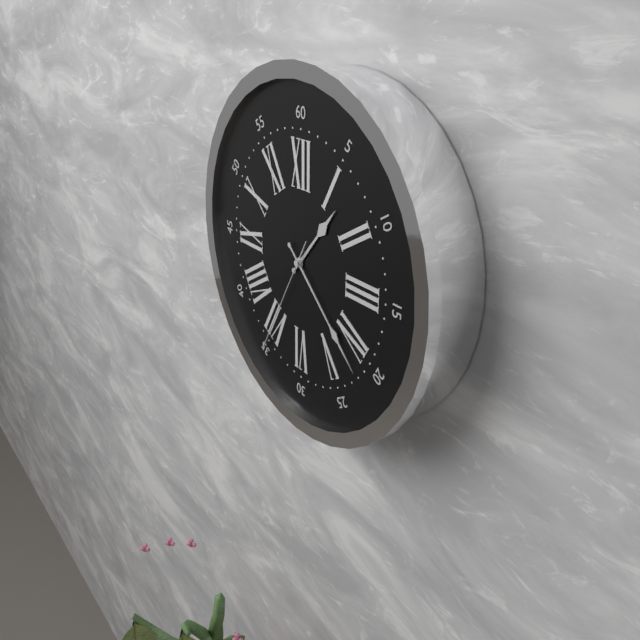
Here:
h=1 m=22 s=35
